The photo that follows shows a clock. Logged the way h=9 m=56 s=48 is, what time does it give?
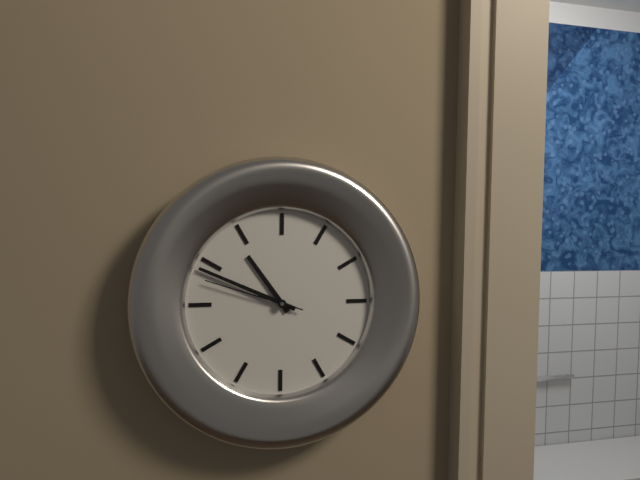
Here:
h=10 m=49 s=48
